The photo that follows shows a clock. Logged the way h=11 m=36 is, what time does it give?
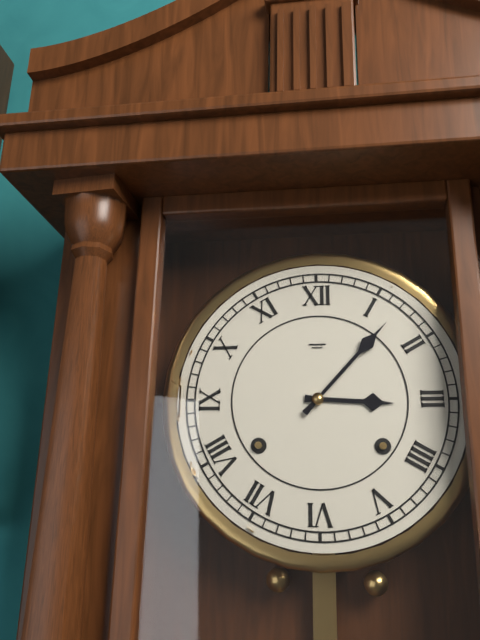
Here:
h=3 m=7
